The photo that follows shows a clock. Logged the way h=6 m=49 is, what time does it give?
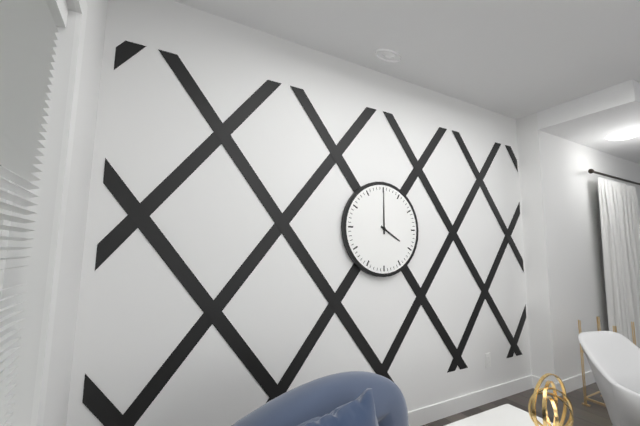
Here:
h=4 m=0
